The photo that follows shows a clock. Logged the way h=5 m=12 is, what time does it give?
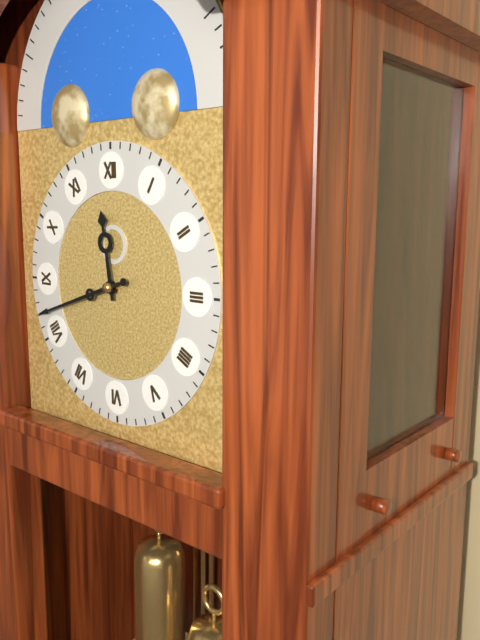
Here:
h=11 m=42
